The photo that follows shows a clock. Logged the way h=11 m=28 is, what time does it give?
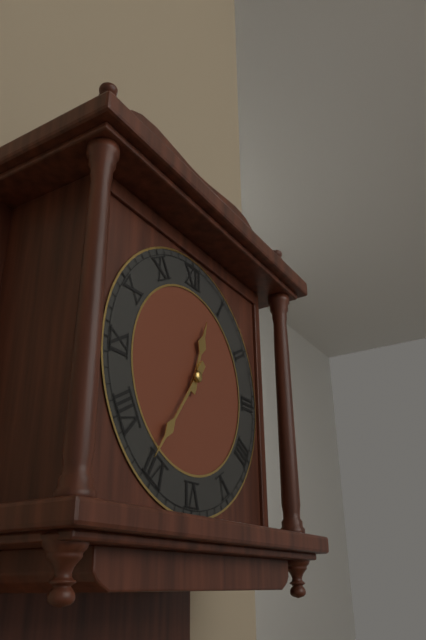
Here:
h=12 m=36
